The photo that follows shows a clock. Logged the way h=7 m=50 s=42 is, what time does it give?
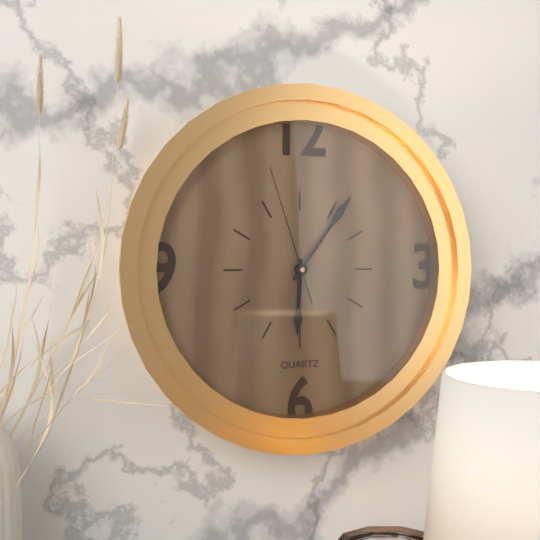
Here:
h=6 m=6 s=57
